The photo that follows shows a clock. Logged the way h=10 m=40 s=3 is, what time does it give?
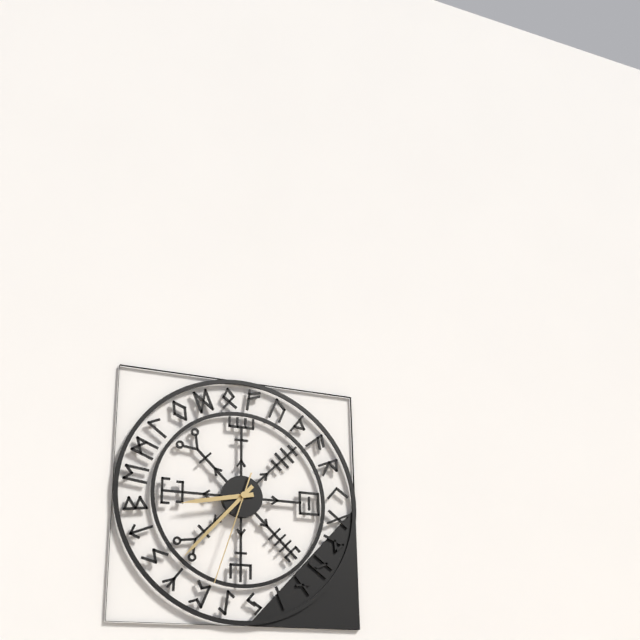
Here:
h=8 m=37 s=33
